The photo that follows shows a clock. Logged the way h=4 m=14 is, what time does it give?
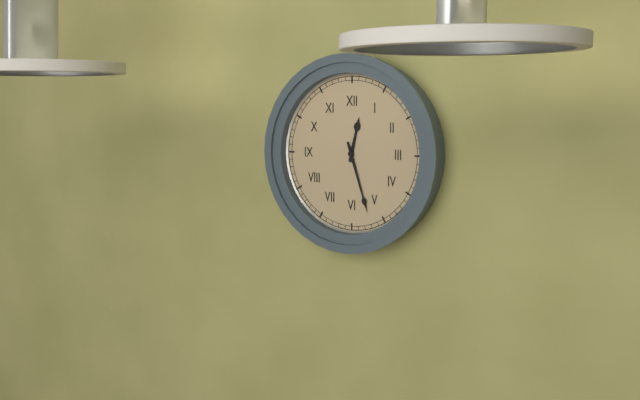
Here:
h=12 m=27
